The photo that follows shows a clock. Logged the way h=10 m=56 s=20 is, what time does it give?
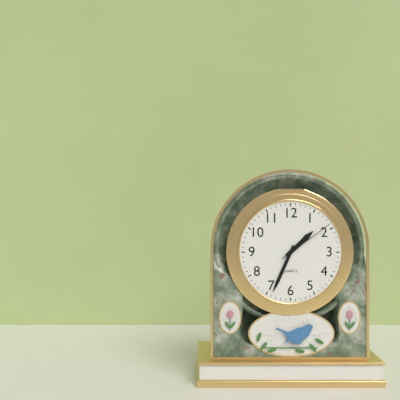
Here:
h=1 m=34 s=9
